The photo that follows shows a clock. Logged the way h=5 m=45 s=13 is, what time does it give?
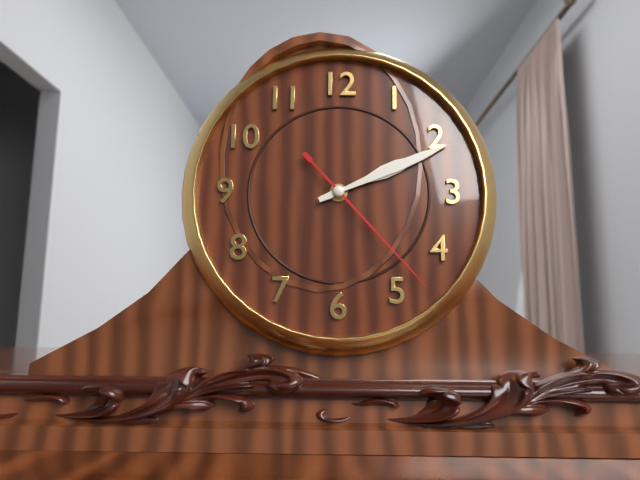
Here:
h=2 m=11 s=23
